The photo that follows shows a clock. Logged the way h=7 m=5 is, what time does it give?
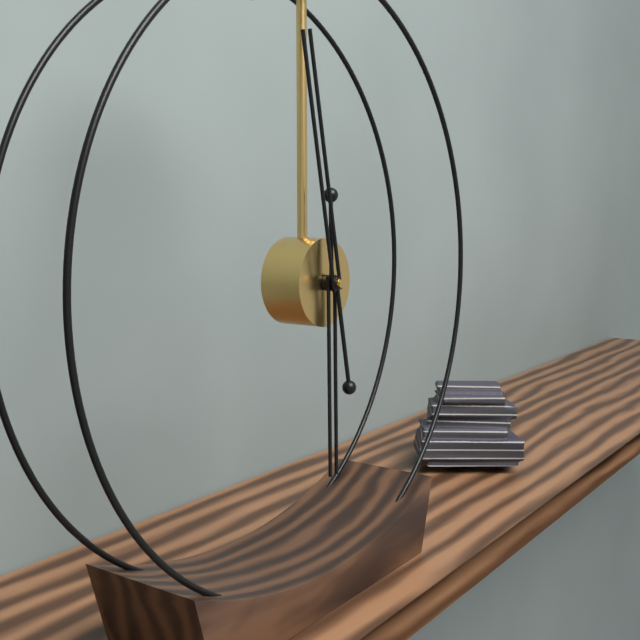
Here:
h=5 m=58
